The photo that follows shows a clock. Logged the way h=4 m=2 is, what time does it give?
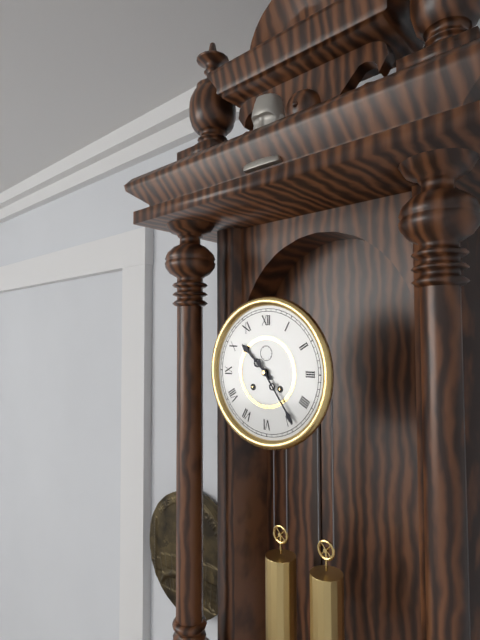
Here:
h=10 m=24
